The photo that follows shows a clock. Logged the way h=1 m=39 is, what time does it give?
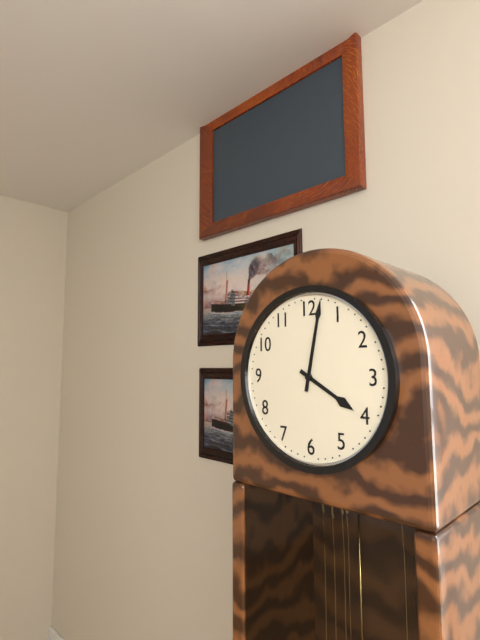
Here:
h=4 m=2
